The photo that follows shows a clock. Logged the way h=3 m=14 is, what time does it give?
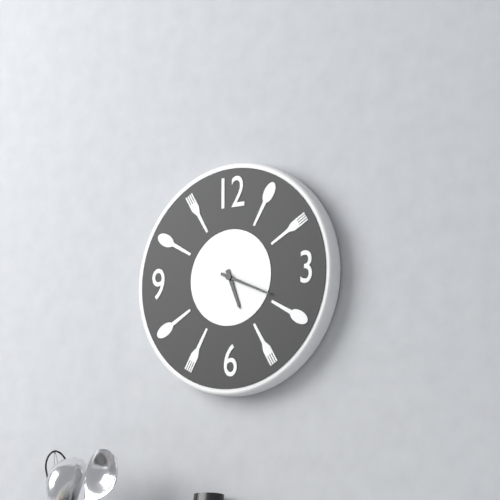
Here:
h=5 m=19
